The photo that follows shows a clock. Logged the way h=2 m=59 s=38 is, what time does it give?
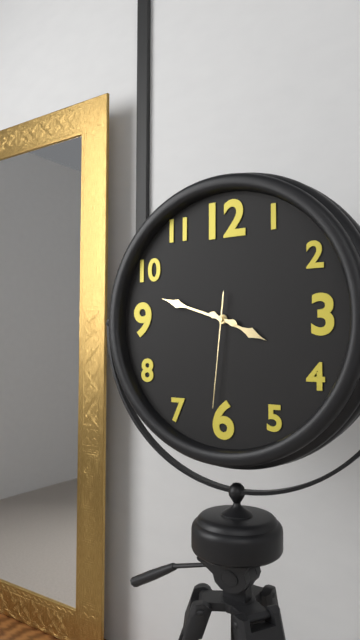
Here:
h=3 m=48 s=31
